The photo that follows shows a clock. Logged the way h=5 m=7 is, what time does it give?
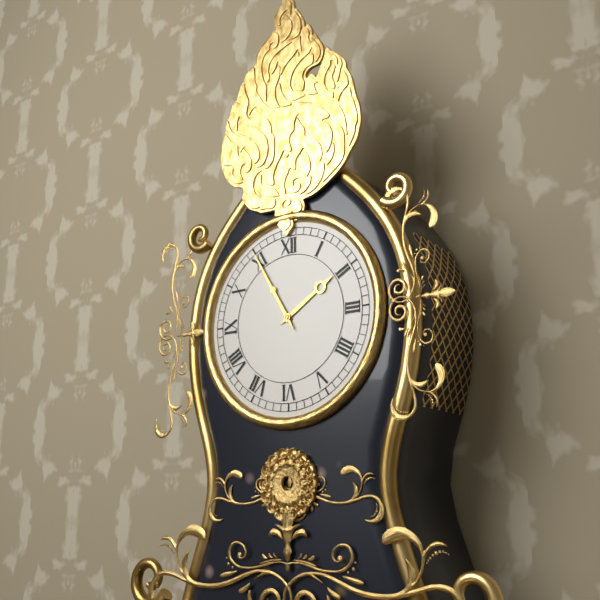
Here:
h=1 m=55
